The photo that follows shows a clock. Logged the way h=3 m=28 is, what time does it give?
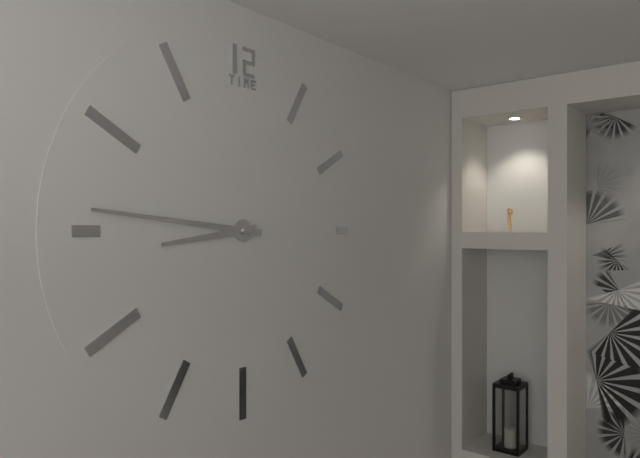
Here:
h=8 m=46
